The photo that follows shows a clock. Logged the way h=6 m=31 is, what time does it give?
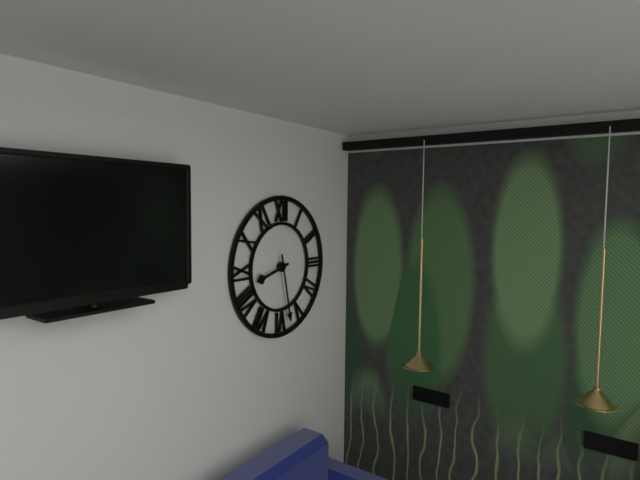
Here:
h=8 m=28
